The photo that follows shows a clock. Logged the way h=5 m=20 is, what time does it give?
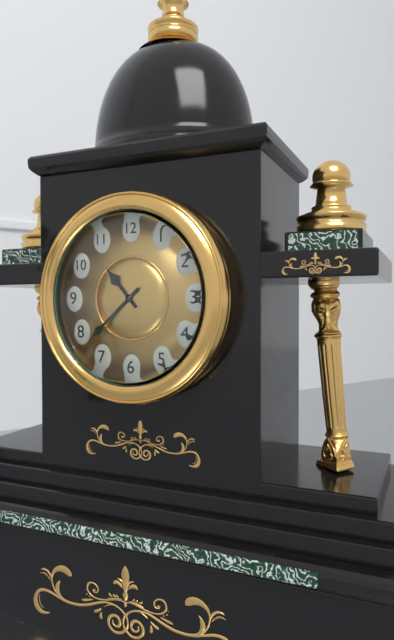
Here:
h=10 m=38
